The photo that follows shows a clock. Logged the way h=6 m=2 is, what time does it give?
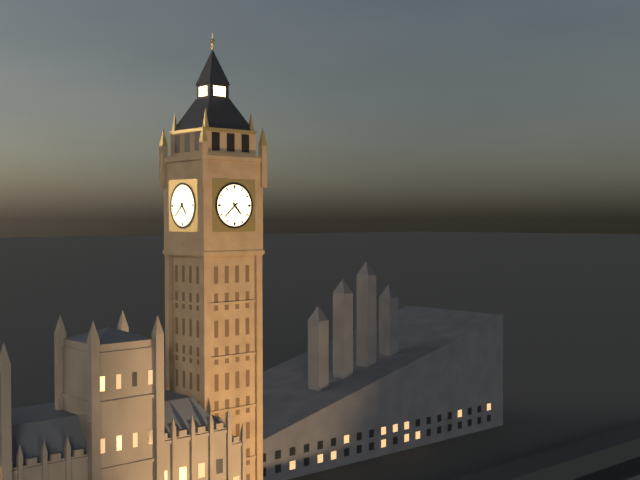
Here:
h=4 m=38
